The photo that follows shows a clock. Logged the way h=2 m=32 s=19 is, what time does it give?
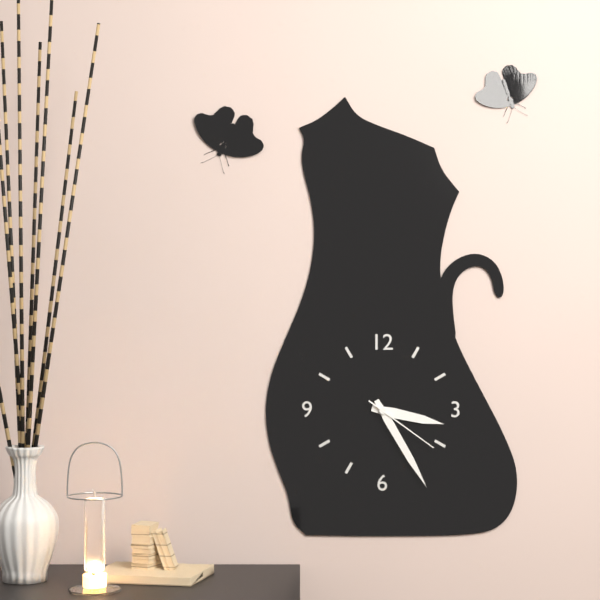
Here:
h=3 m=25 s=21
